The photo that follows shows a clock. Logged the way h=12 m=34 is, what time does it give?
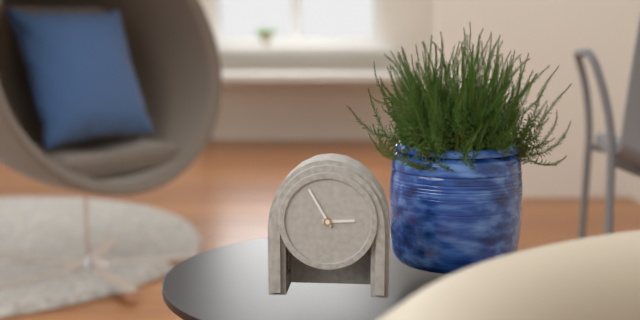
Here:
h=2 m=55
